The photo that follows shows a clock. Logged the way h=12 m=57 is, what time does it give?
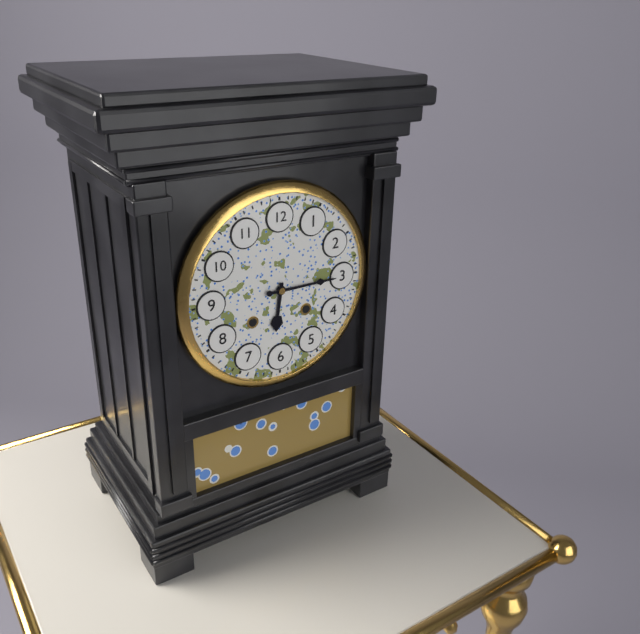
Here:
h=6 m=15
